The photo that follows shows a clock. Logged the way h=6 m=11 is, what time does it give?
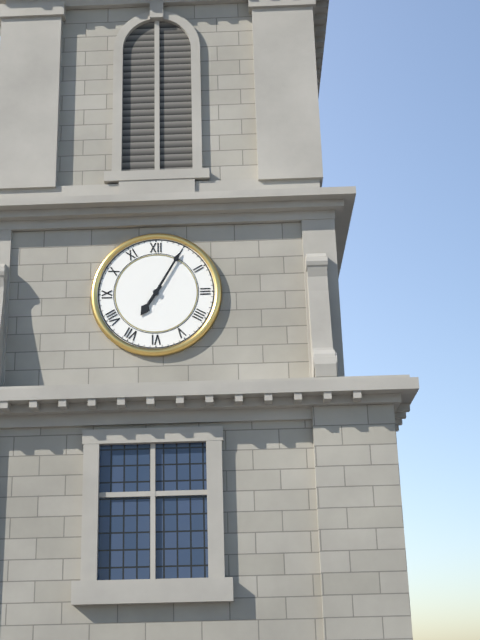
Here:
h=7 m=5
